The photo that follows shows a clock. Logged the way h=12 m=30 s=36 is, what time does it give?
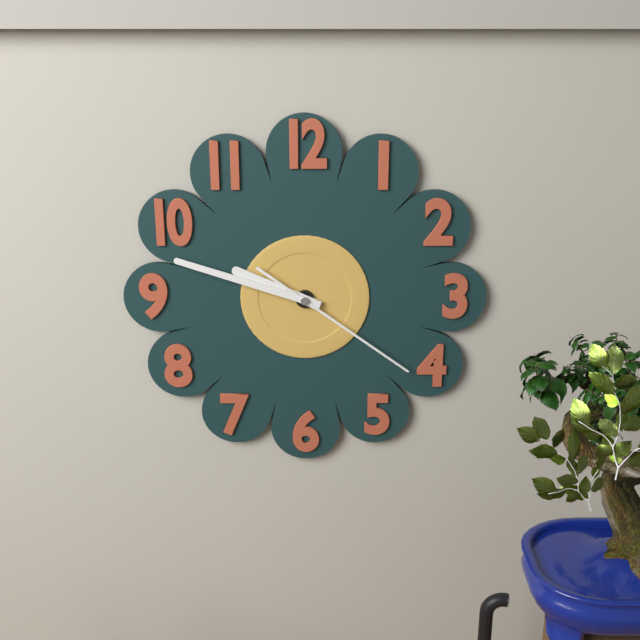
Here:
h=9 m=48 s=21
